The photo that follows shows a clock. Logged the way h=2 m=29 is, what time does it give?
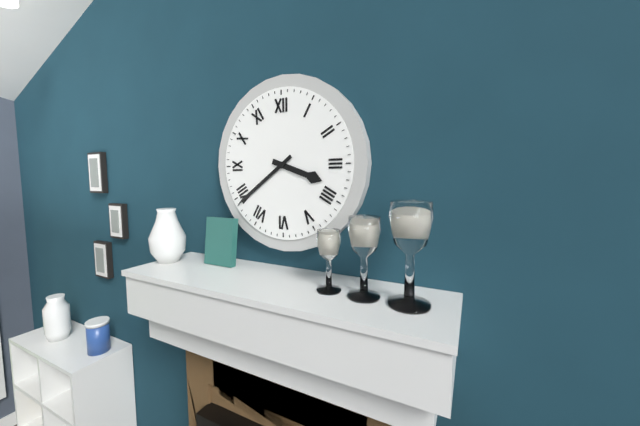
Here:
h=3 m=39
